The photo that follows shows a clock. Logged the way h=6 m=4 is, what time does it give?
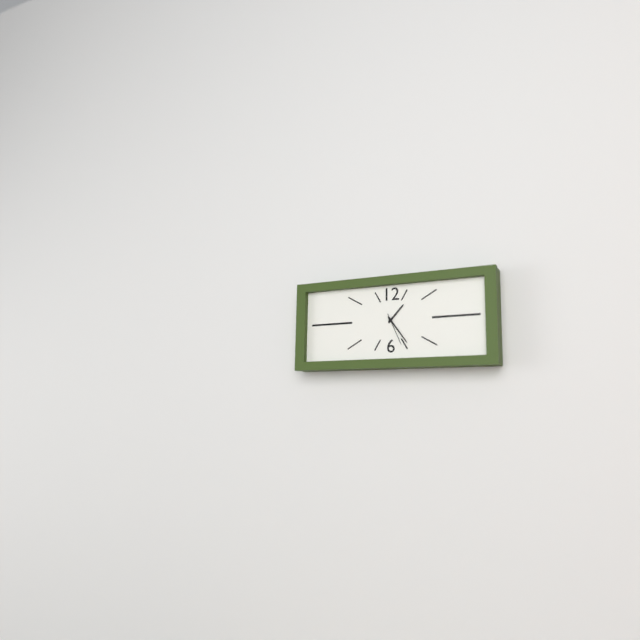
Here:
h=1 m=24
